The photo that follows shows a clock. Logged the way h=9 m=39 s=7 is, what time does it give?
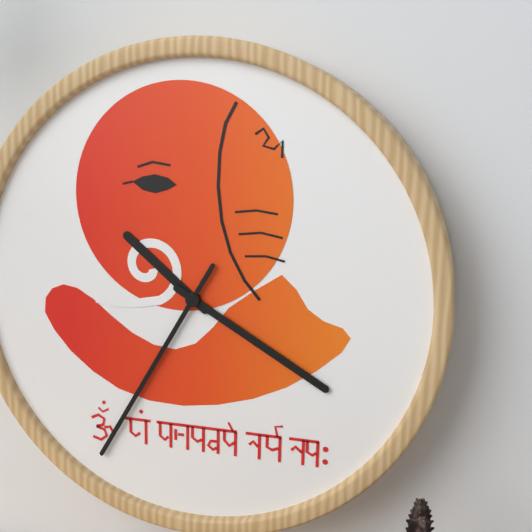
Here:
h=10 m=20 s=35
